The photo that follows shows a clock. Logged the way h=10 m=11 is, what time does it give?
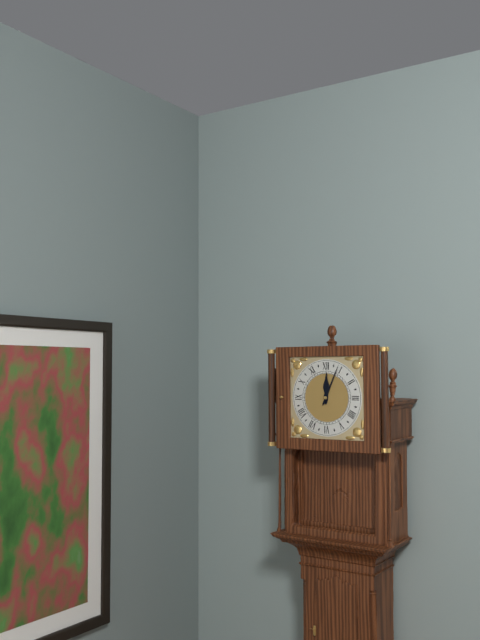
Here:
h=12 m=4
